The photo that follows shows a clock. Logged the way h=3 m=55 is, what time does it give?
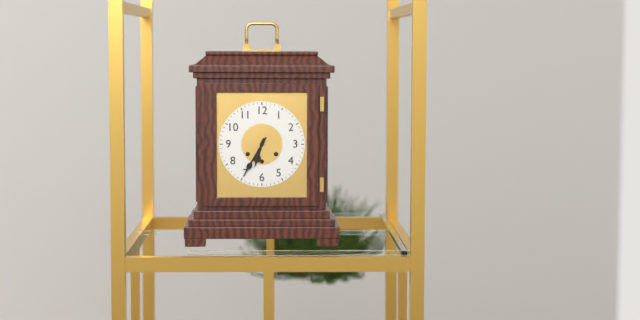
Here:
h=6 m=35
